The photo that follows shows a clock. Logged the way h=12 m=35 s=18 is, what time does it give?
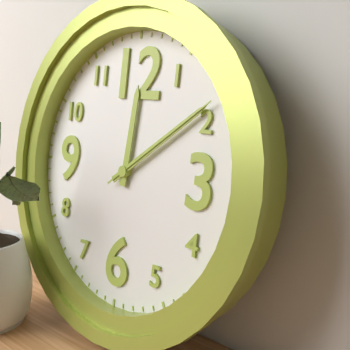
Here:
h=12 m=9 s=9
